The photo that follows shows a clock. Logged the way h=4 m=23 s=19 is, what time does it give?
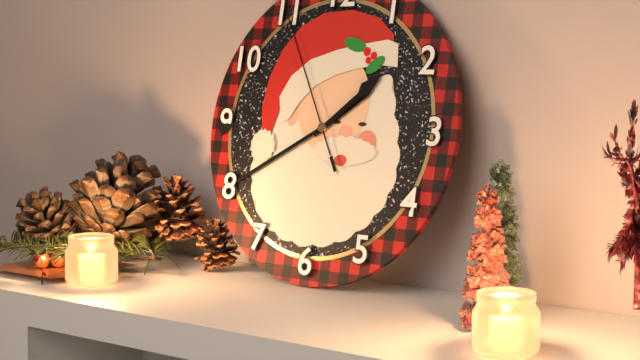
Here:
h=1 m=40 s=55
